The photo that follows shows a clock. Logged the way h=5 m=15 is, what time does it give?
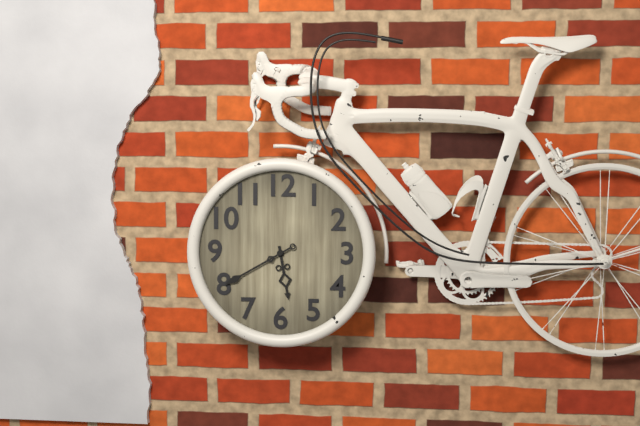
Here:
h=5 m=40
